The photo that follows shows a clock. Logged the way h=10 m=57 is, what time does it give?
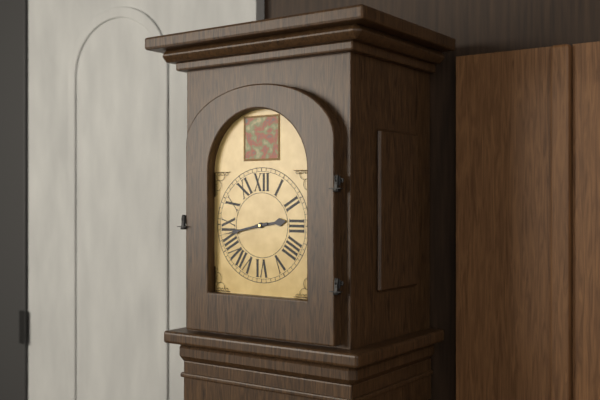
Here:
h=2 m=43
